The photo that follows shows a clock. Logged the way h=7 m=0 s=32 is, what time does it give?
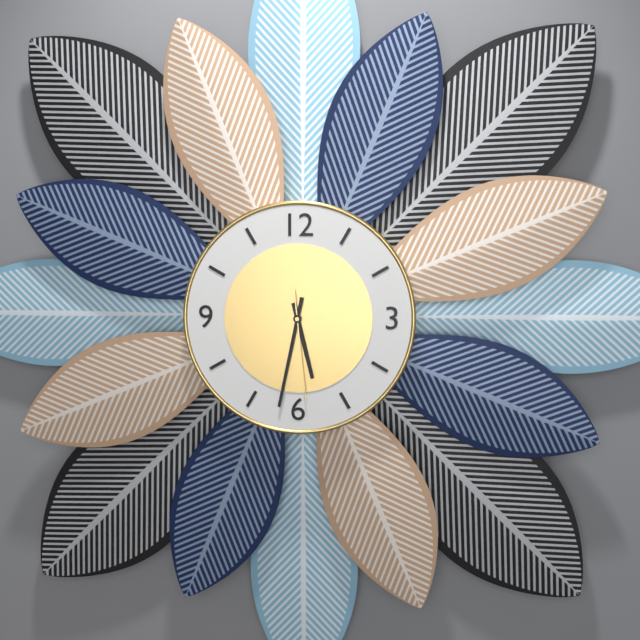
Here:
h=5 m=32 s=29
